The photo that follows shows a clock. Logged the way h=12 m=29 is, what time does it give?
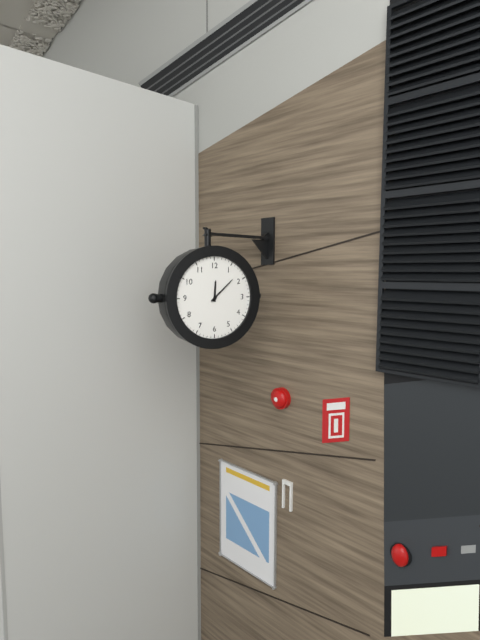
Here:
h=12 m=8
